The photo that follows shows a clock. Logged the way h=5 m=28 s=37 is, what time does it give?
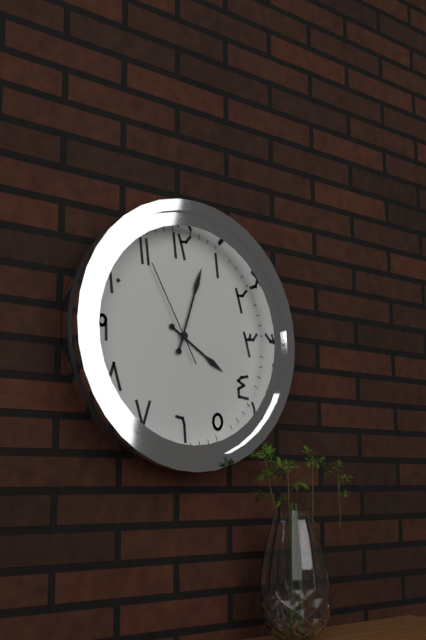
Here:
h=4 m=3 s=55
